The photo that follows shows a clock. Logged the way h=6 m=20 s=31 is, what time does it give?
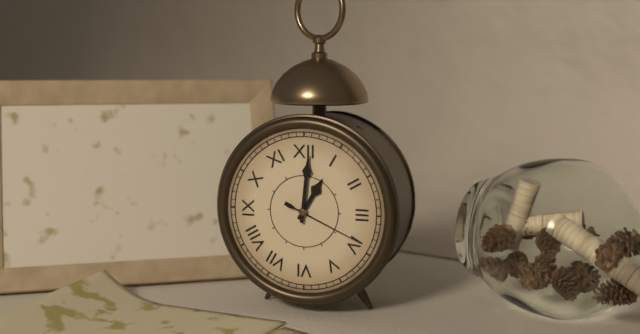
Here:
h=1 m=1 s=19
